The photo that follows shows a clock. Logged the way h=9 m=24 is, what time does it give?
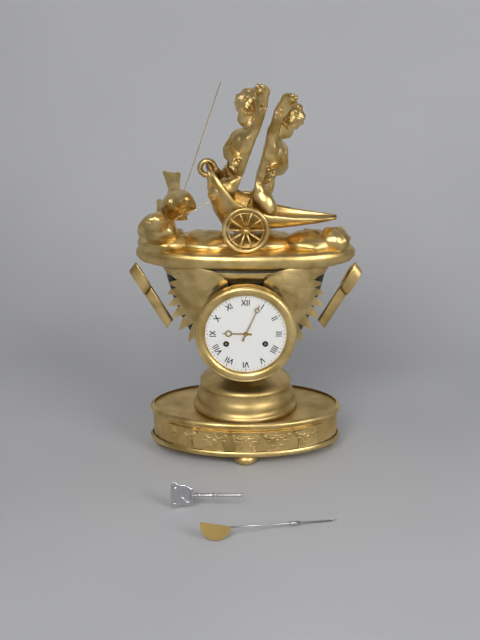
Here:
h=9 m=4
